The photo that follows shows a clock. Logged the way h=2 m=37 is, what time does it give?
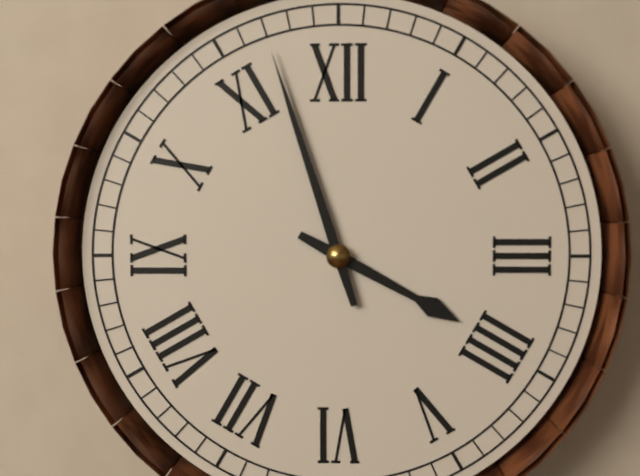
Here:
h=3 m=57
